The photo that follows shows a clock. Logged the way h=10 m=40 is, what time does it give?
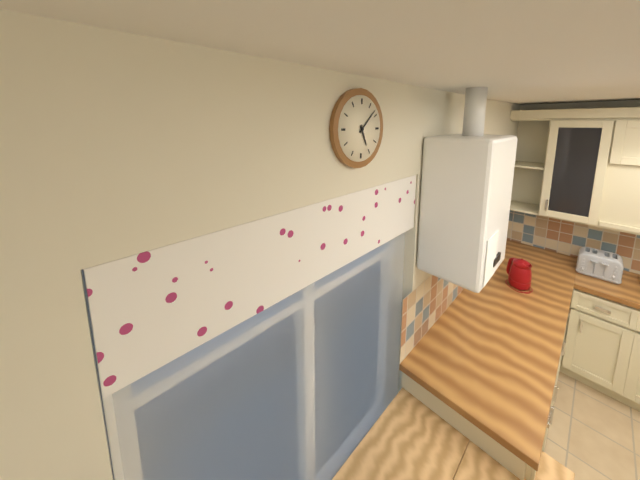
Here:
h=5 m=8
